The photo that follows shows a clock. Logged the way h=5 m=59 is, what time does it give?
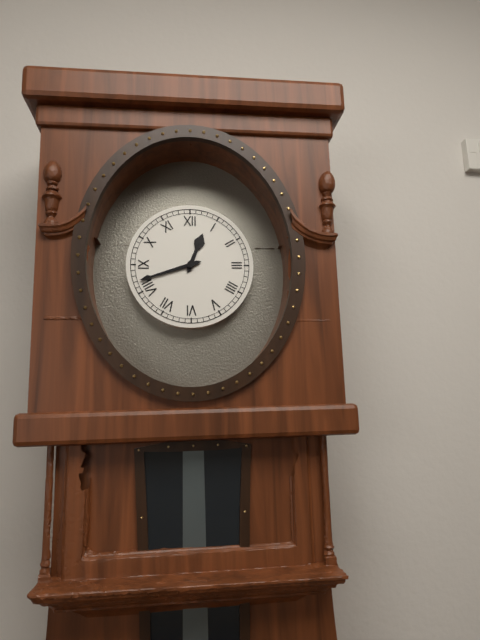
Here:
h=12 m=42
